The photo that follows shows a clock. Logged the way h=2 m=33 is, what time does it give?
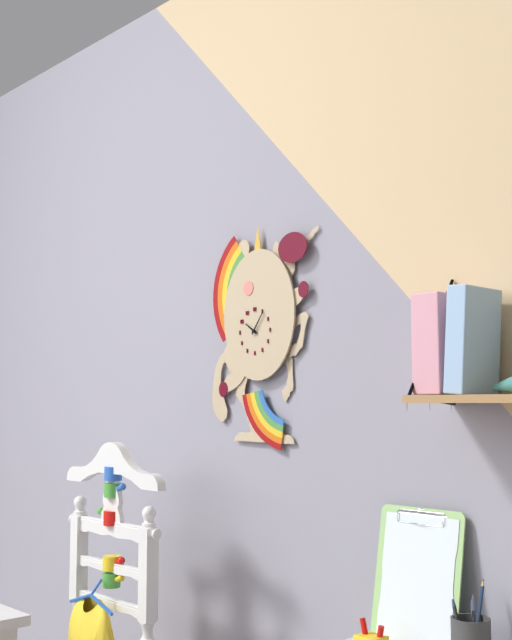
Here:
h=10 m=6
